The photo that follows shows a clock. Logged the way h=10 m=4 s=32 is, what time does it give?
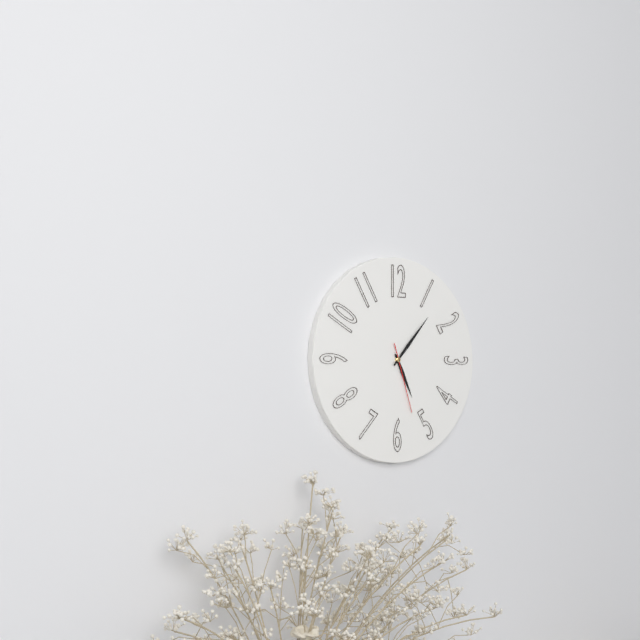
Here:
h=5 m=7 s=27
